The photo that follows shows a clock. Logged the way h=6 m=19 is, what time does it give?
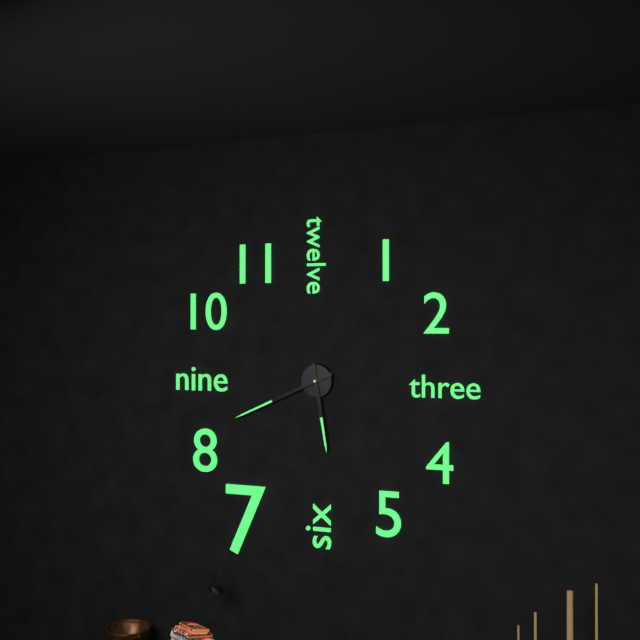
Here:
h=5 m=41
